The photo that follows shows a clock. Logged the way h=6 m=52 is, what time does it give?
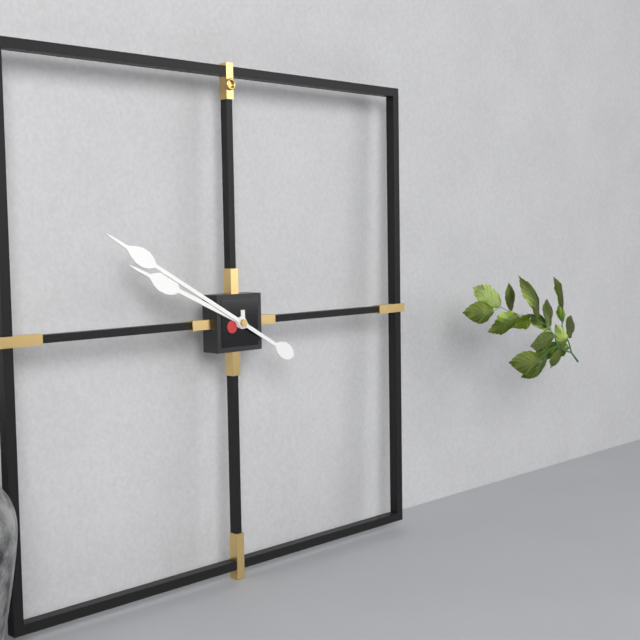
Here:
h=9 m=50
